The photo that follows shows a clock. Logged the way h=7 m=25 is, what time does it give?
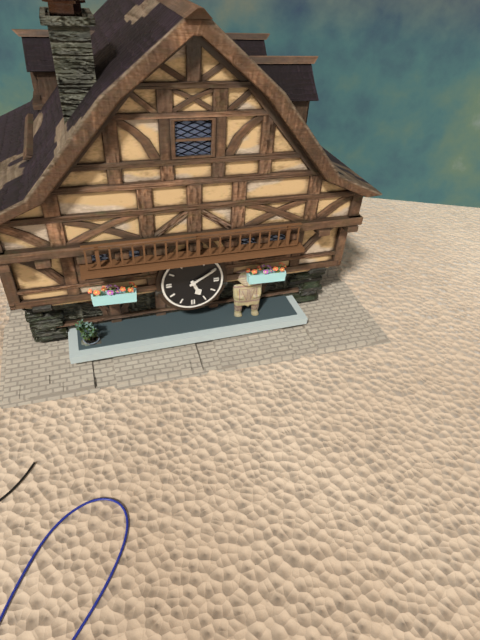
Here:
h=5 m=10
